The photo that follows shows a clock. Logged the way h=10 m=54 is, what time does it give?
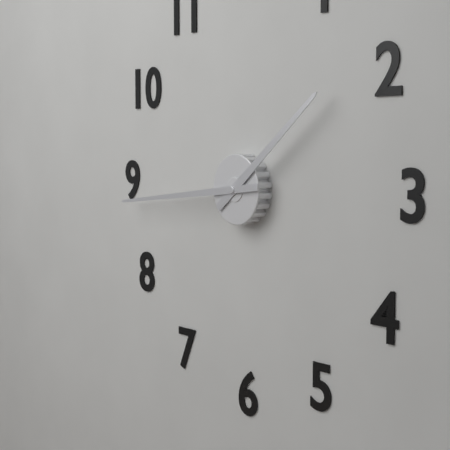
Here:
h=1 m=44
